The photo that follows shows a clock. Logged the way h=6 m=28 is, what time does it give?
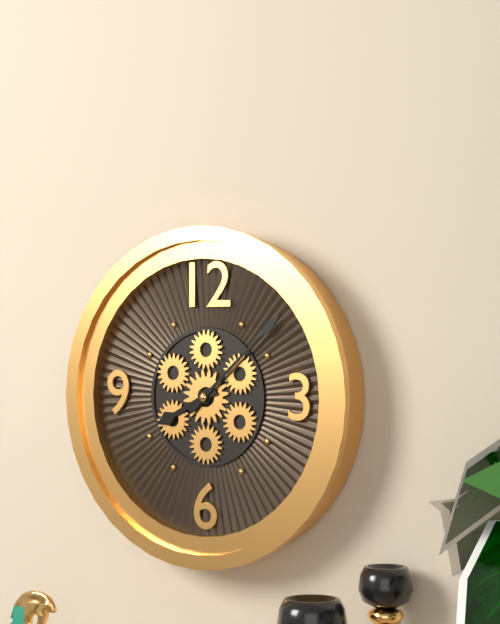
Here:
h=8 m=8
